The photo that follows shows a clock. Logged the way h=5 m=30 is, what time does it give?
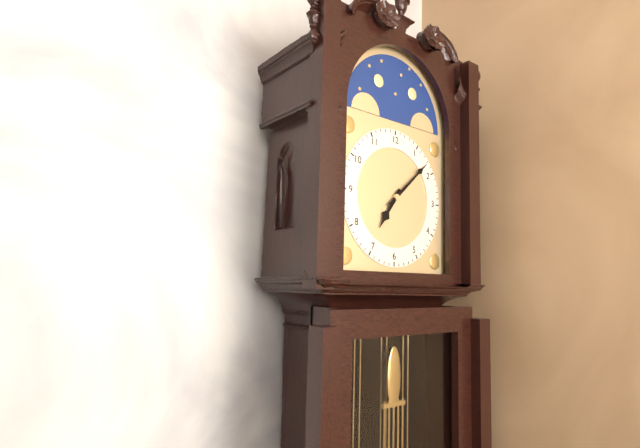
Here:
h=7 m=8
